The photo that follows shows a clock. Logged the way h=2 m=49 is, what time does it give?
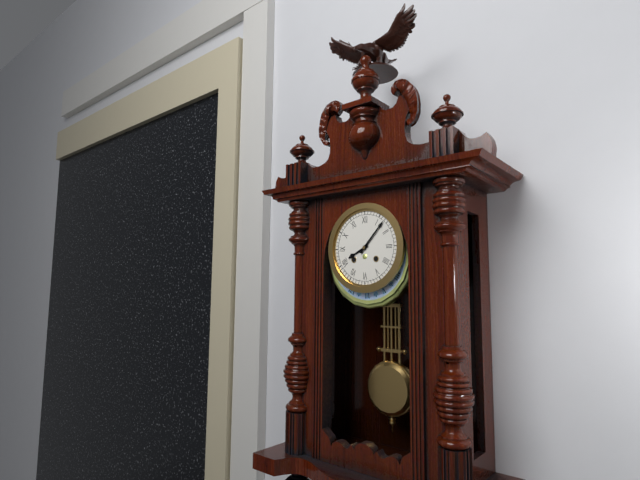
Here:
h=8 m=7
